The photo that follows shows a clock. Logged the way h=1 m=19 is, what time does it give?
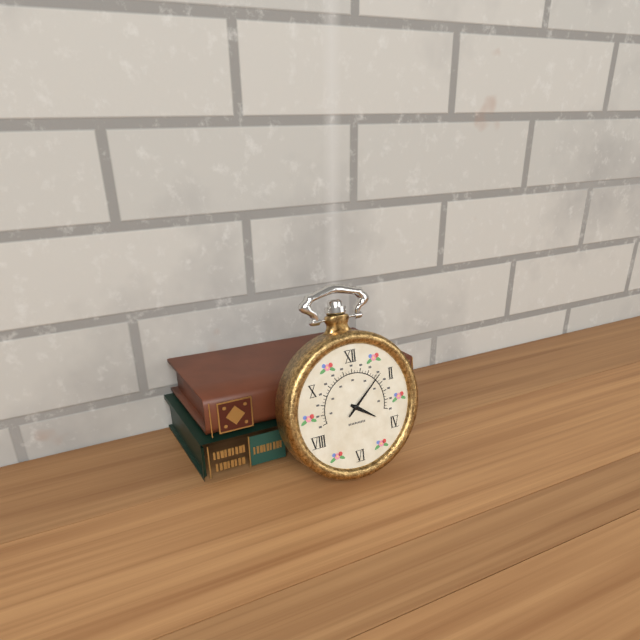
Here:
h=4 m=8
